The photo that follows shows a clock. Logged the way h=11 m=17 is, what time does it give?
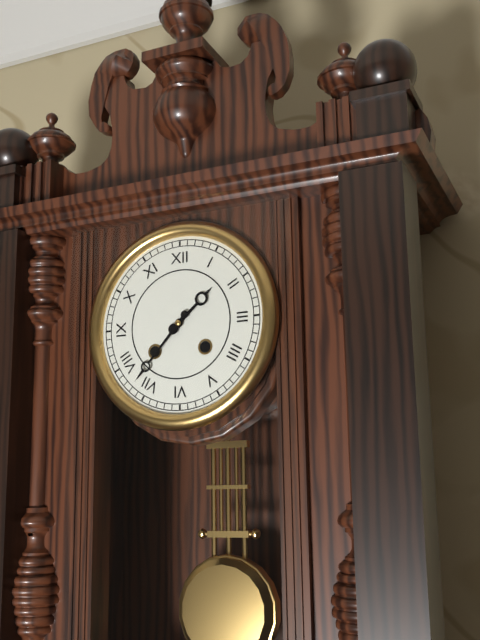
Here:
h=1 m=37
